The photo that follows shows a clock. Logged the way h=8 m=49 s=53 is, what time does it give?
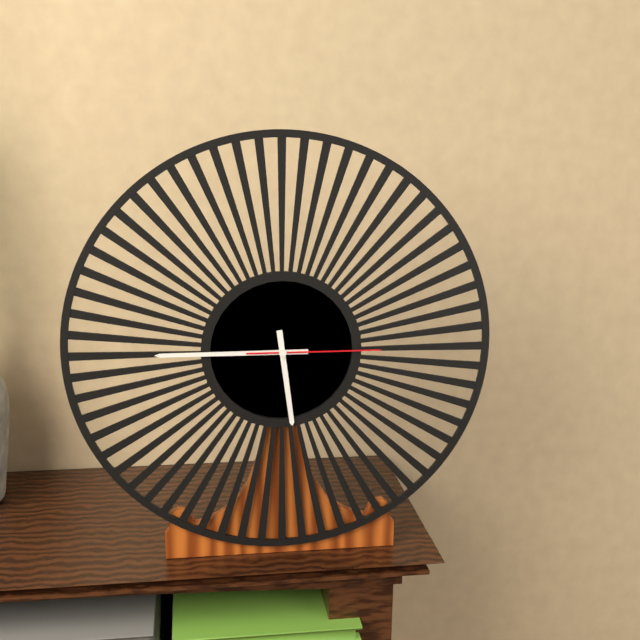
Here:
h=5 m=45 s=15
